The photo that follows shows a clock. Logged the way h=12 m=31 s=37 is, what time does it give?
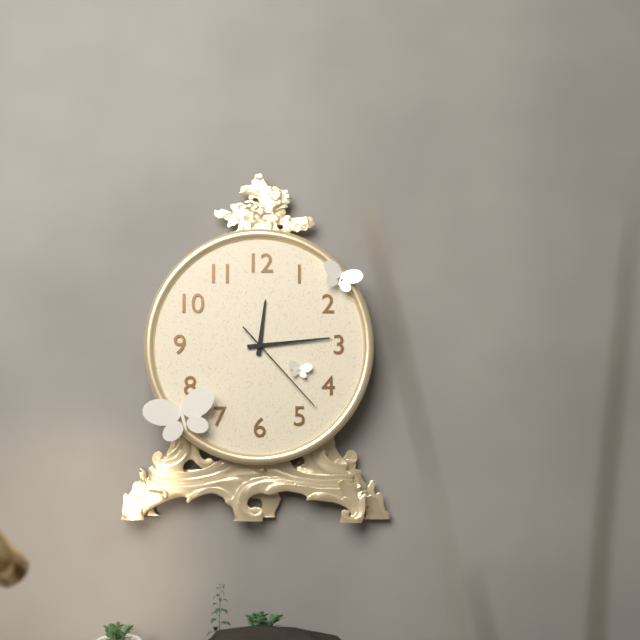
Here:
h=12 m=14 s=23
